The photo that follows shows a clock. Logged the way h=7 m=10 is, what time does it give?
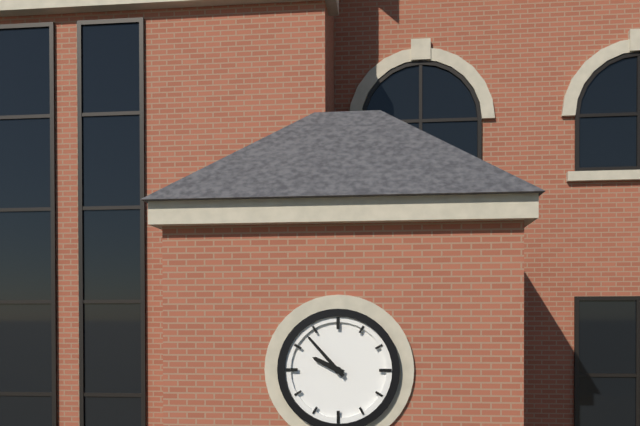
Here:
h=9 m=53
